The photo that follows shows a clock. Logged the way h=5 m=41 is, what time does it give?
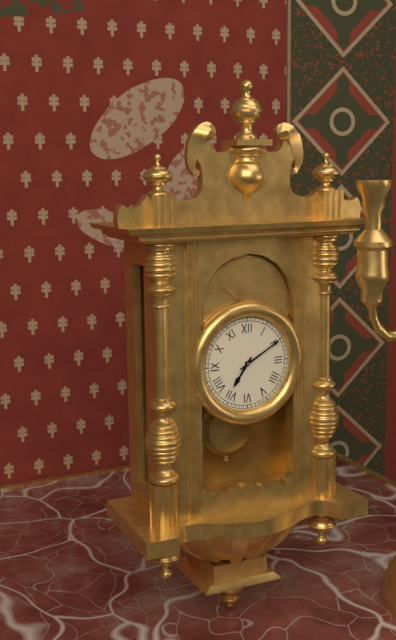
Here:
h=7 m=10
